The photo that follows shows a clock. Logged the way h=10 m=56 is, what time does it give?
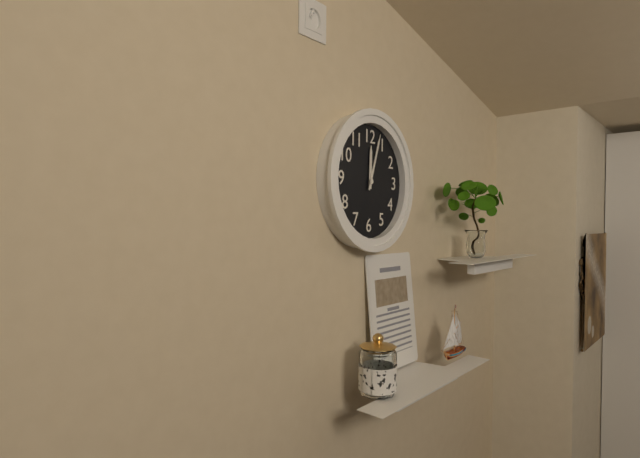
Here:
h=12 m=3
